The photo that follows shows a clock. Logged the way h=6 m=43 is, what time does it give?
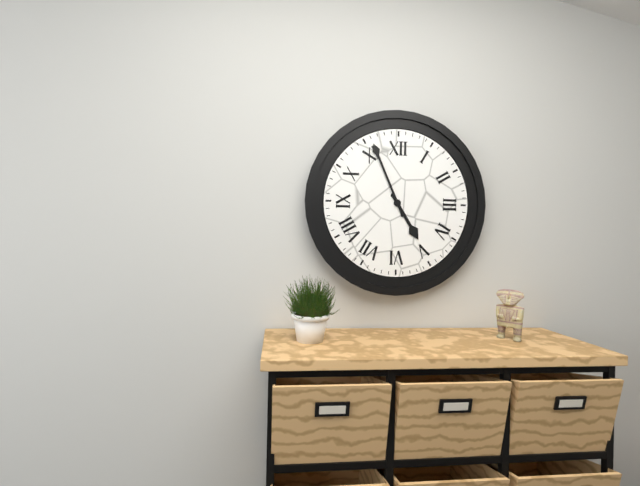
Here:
h=4 m=56
